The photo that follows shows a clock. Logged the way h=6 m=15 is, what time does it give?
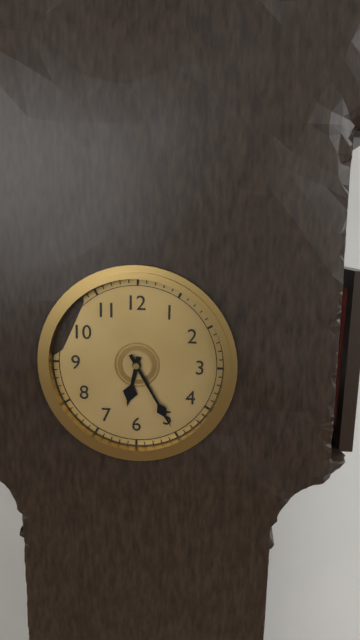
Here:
h=6 m=25
